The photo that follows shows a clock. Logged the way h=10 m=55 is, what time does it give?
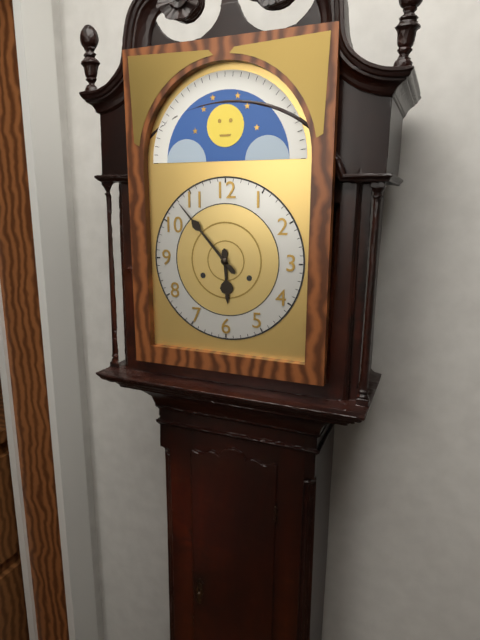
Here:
h=5 m=53
